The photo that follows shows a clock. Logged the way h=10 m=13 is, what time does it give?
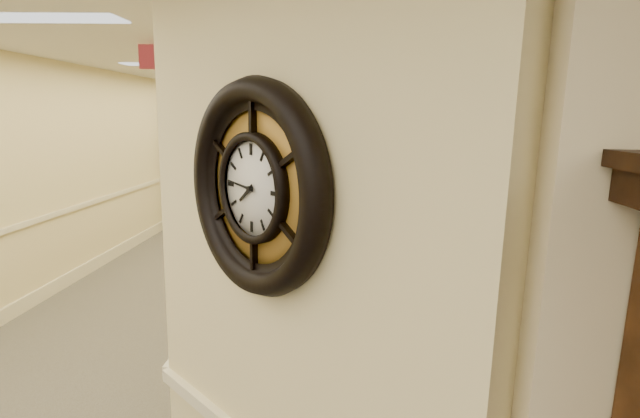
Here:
h=7 m=46
